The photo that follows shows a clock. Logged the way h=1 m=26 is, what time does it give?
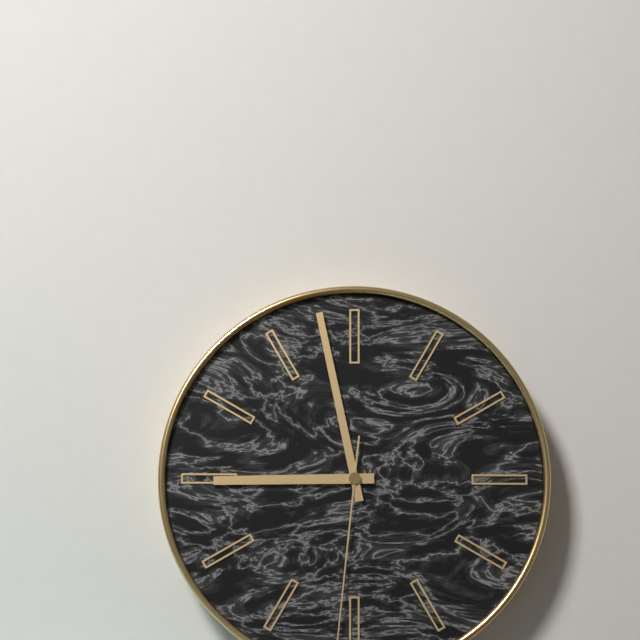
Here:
h=8 m=58
